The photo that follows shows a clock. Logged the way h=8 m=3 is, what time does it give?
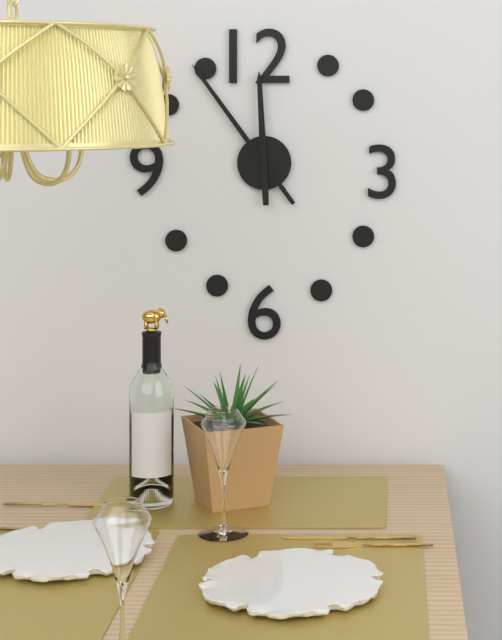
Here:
h=11 m=54
